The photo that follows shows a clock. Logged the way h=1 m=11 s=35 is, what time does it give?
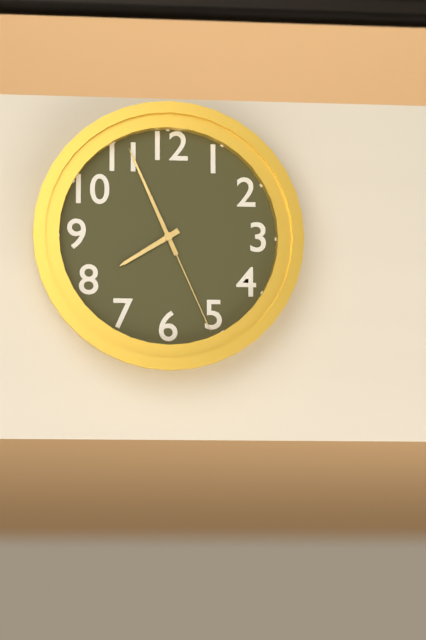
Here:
h=7 m=56 s=26
